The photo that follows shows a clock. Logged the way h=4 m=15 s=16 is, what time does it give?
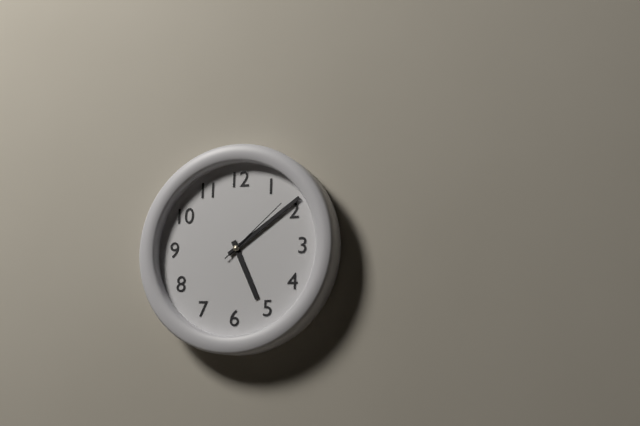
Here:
h=5 m=9 s=8
